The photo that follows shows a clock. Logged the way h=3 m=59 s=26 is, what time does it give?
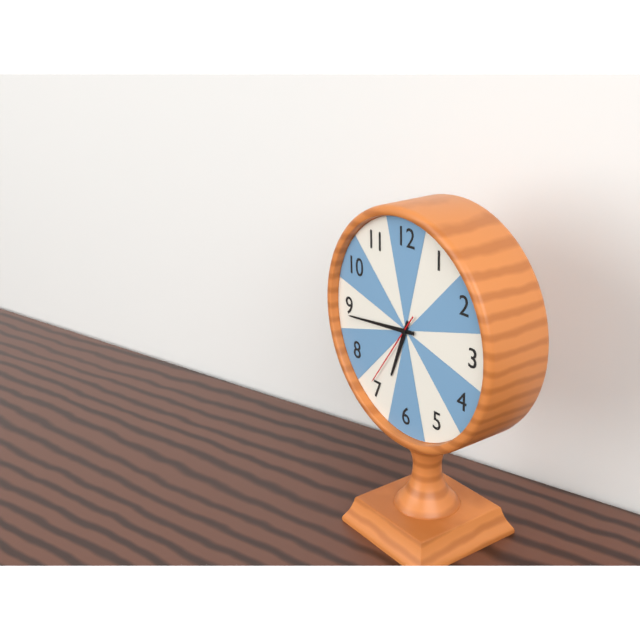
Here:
h=6 m=44 s=36
